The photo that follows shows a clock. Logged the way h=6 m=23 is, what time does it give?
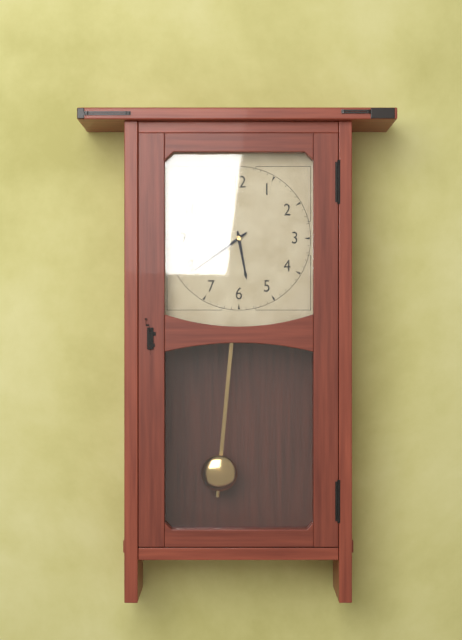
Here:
h=5 m=39
